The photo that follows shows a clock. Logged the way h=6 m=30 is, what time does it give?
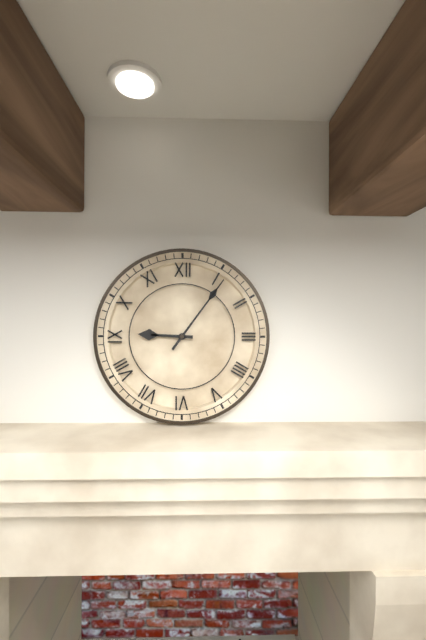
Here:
h=9 m=6
